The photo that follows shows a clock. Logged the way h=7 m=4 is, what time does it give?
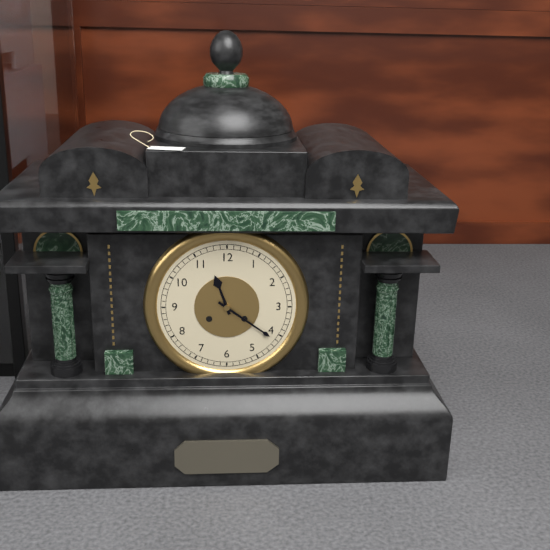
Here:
h=11 m=21
